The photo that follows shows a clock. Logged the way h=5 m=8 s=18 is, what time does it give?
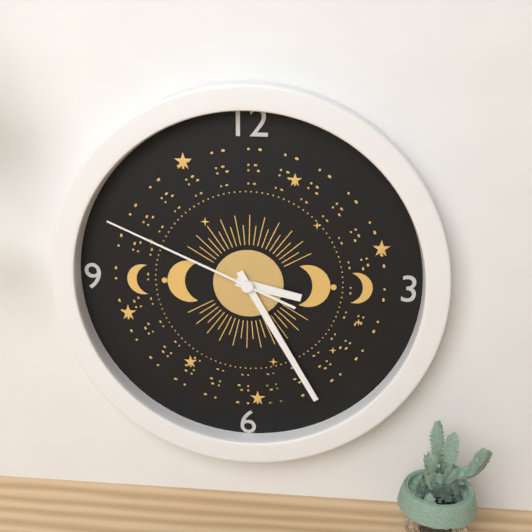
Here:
h=3 m=25 s=49
